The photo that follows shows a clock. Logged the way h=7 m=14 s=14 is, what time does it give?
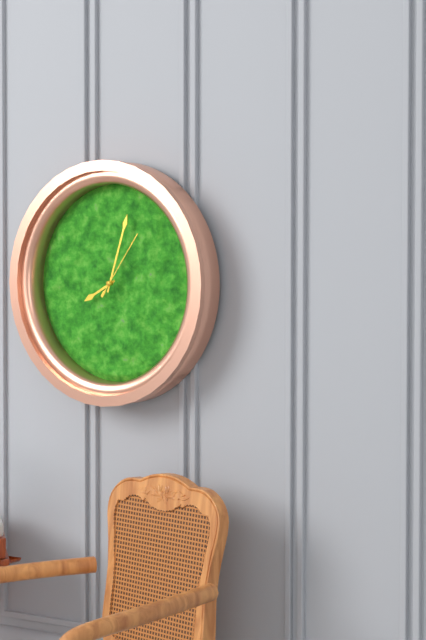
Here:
h=8 m=3 s=6
